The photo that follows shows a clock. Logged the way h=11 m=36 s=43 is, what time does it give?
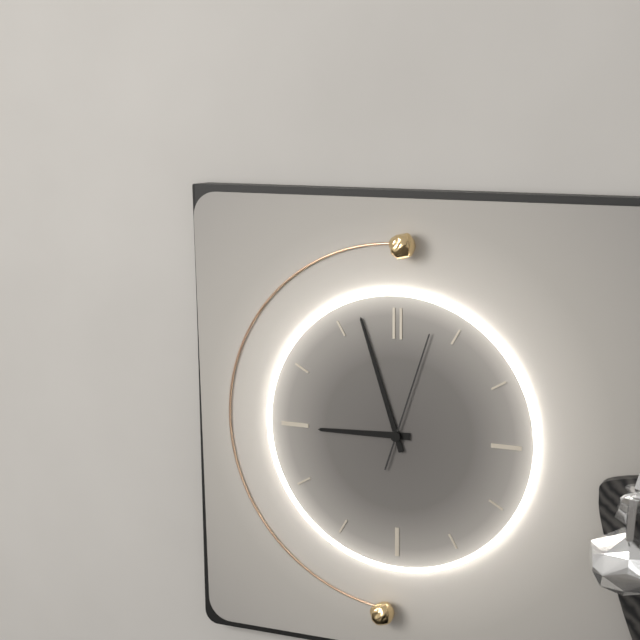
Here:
h=8 m=57 s=3
